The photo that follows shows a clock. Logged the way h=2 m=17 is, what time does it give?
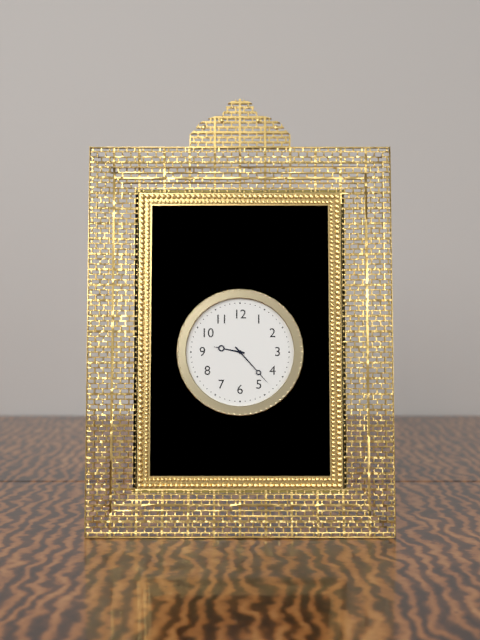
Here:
h=9 m=23
